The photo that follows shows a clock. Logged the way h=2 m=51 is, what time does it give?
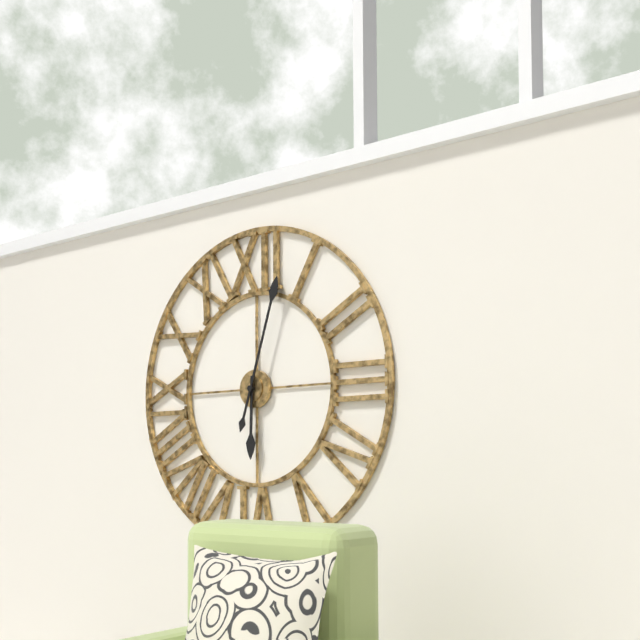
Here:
h=6 m=3
